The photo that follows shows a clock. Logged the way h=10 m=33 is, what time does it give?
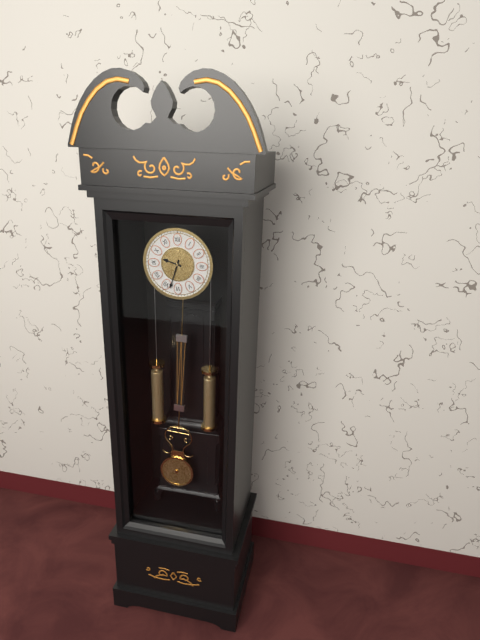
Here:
h=9 m=33
